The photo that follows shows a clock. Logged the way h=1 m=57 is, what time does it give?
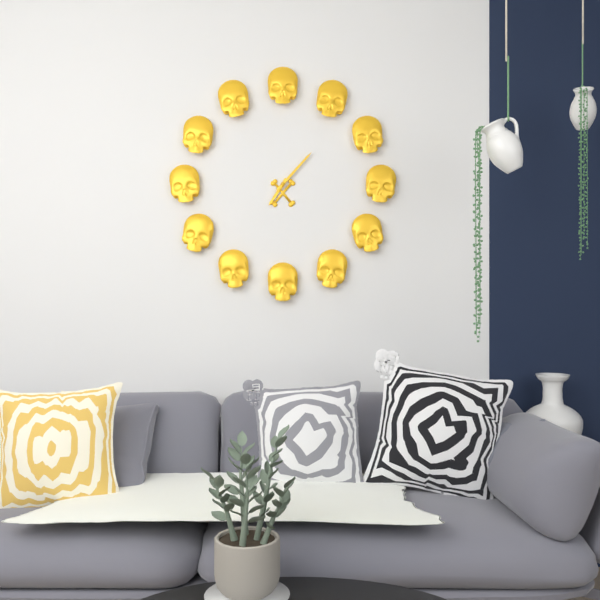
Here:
h=7 m=7
